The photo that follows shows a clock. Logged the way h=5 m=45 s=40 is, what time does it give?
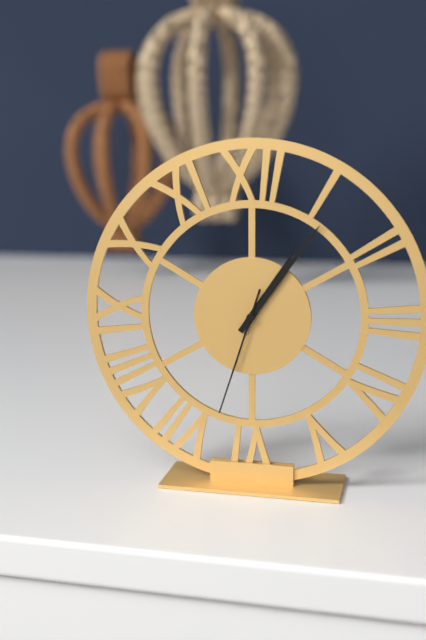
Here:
h=1 m=6 s=33
